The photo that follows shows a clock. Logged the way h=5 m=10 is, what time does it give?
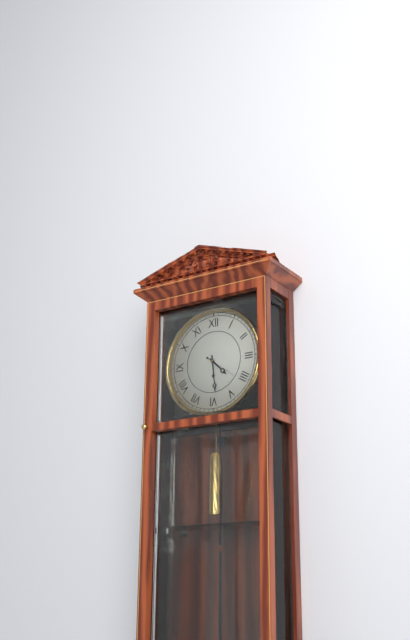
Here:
h=4 m=29
